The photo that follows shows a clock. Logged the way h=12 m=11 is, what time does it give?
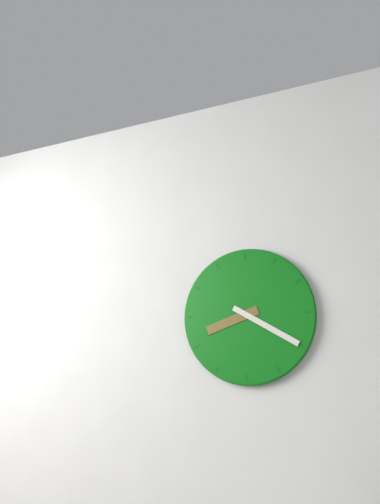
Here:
h=8 m=20
